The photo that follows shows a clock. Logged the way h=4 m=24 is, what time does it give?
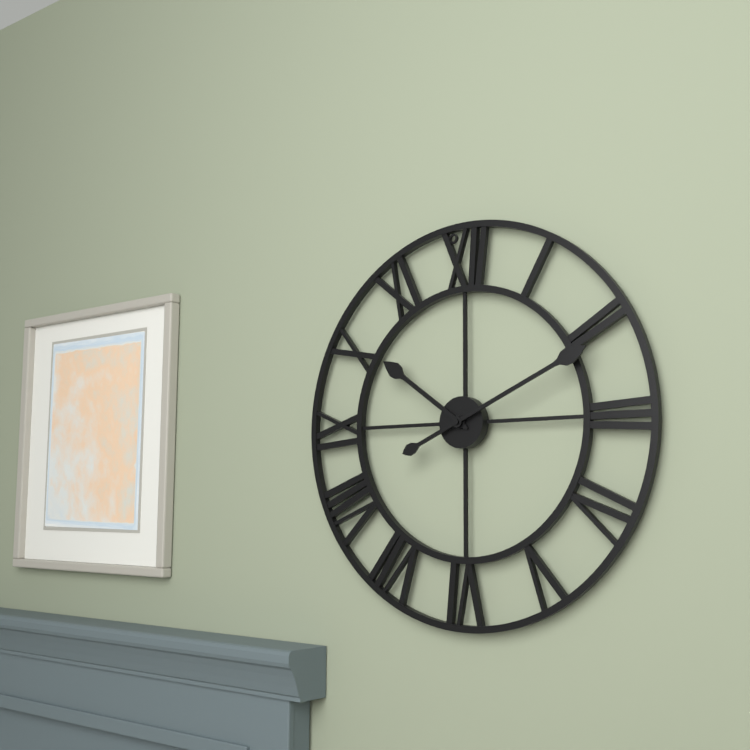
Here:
h=10 m=11
